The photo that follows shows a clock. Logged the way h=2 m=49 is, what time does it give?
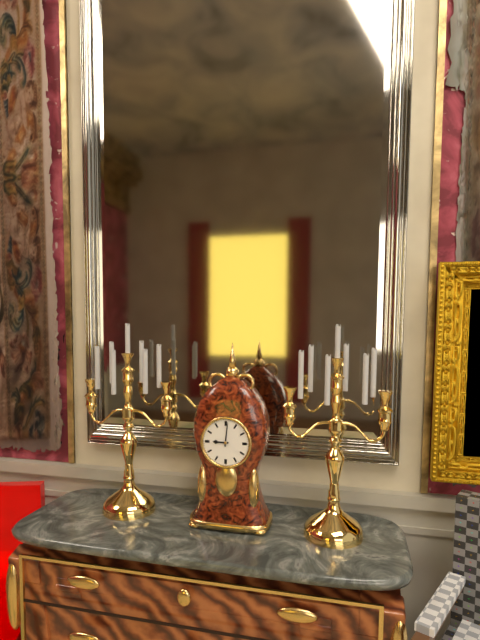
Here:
h=9 m=1
